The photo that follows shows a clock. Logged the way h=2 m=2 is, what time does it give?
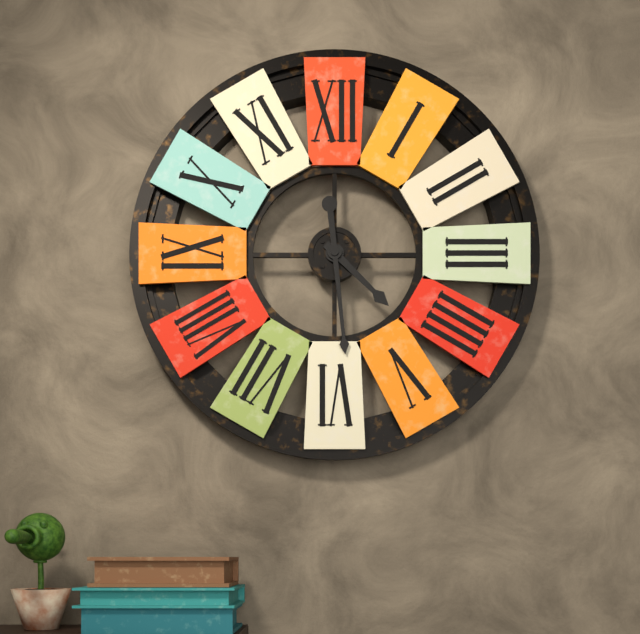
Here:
h=4 m=29
